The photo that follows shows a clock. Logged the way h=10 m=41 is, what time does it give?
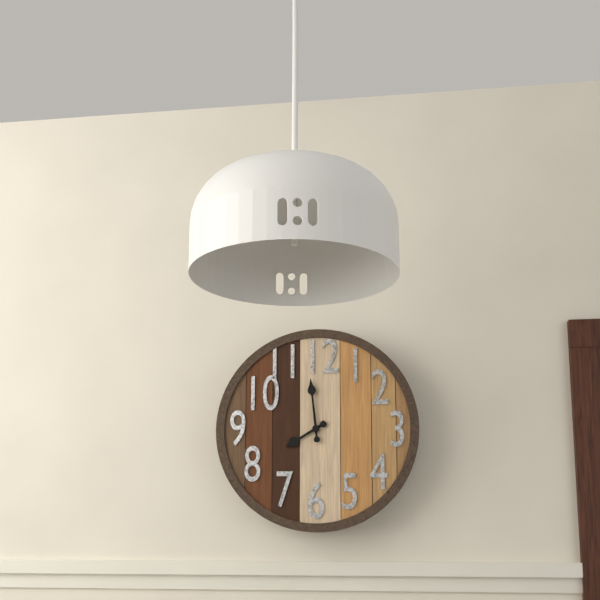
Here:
h=7 m=59
